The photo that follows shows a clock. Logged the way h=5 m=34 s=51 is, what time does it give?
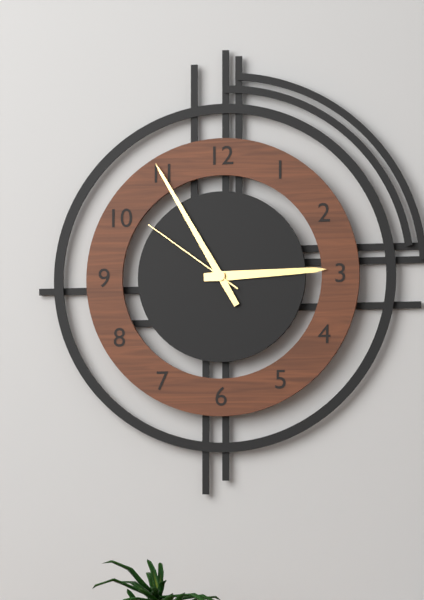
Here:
h=2 m=55 s=51
